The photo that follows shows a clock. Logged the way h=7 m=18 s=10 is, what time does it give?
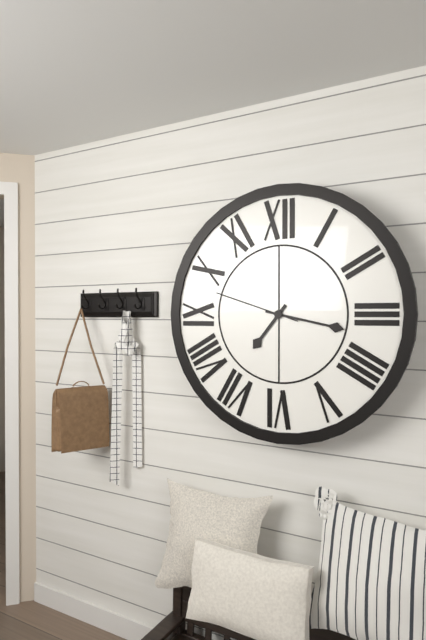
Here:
h=7 m=17 s=48
